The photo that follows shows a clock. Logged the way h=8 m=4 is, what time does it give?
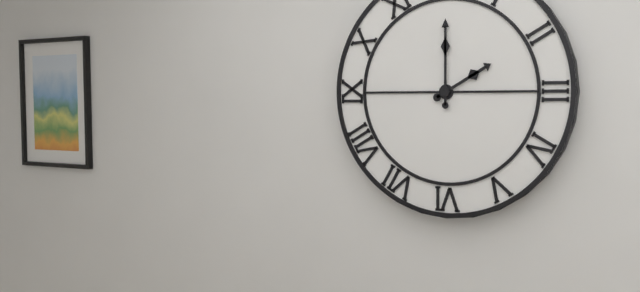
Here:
h=2 m=0
